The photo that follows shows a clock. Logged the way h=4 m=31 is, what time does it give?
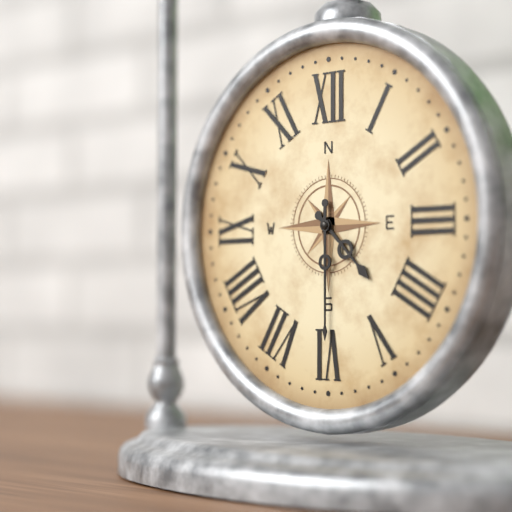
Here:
h=4 m=30
